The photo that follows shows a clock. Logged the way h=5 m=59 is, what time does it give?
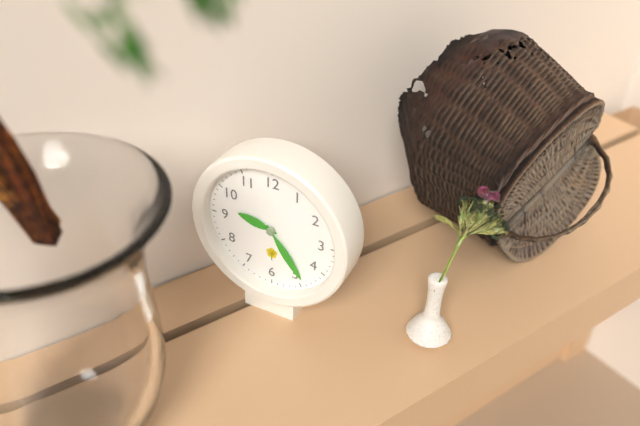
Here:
h=9 m=24
